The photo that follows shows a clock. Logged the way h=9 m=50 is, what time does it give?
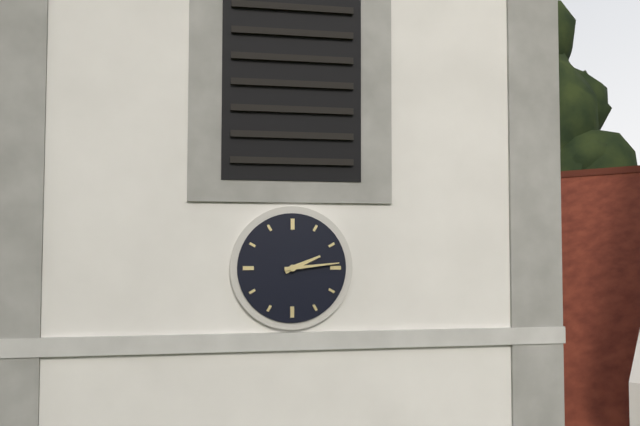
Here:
h=2 m=14
